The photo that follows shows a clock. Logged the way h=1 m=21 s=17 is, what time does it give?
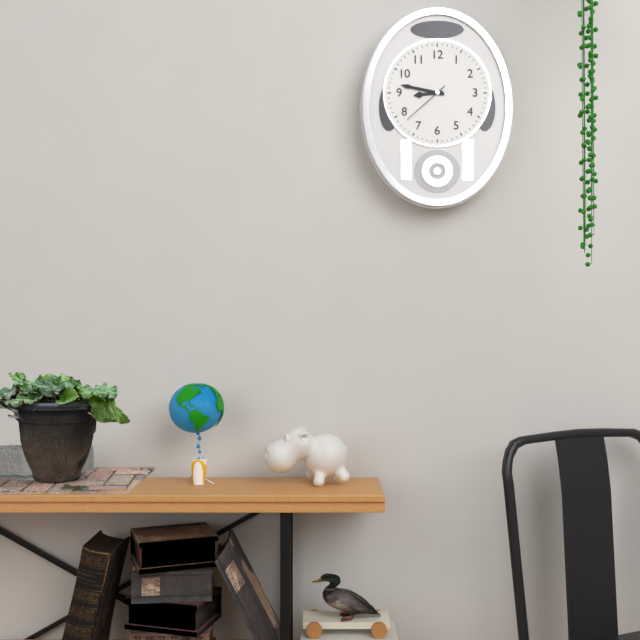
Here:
h=8 m=47 s=38
